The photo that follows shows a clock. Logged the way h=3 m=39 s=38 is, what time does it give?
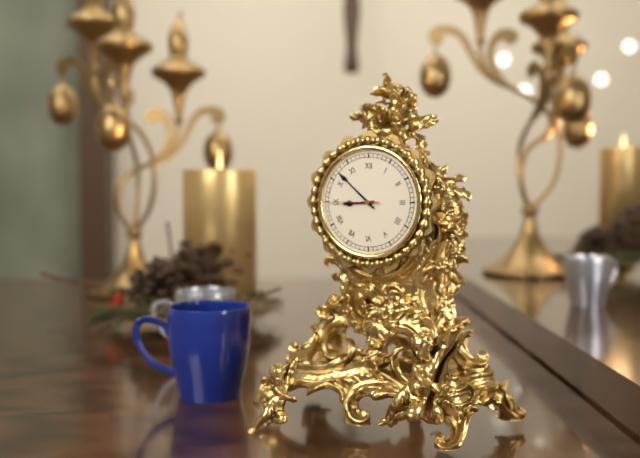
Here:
h=8 m=52 s=45
